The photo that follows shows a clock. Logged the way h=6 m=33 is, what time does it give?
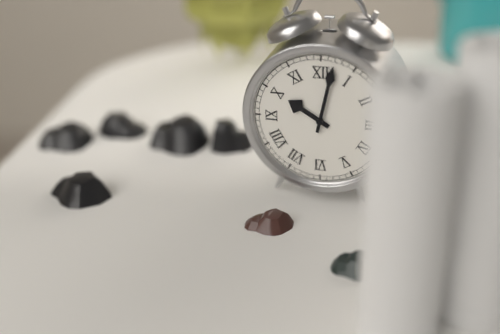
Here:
h=10 m=2
